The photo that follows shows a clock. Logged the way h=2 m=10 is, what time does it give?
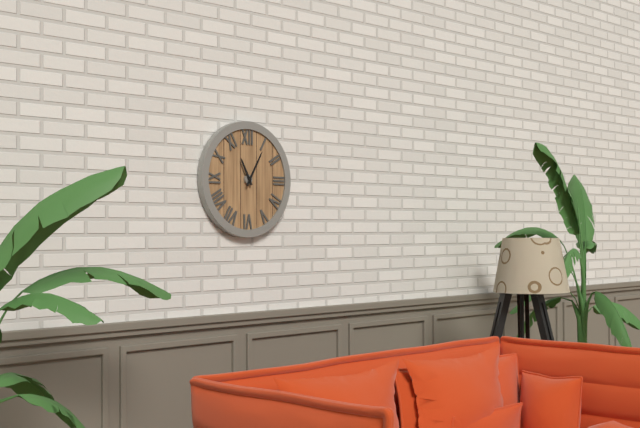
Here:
h=11 m=5
